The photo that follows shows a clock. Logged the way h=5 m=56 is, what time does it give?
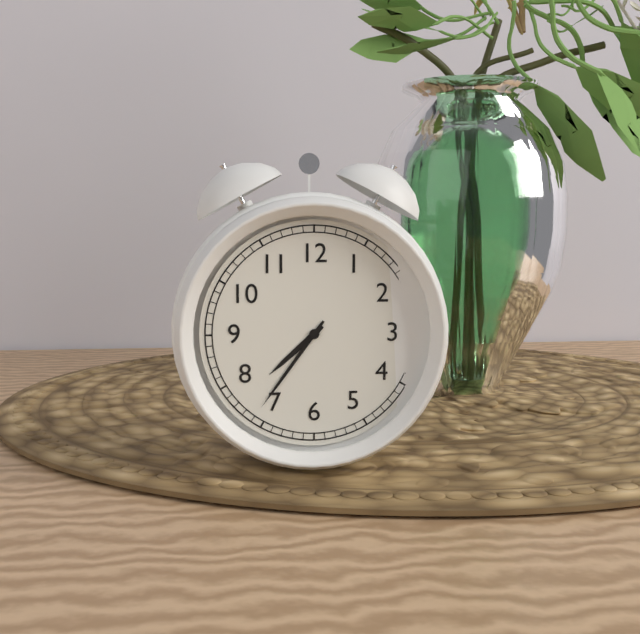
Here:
h=7 m=36
